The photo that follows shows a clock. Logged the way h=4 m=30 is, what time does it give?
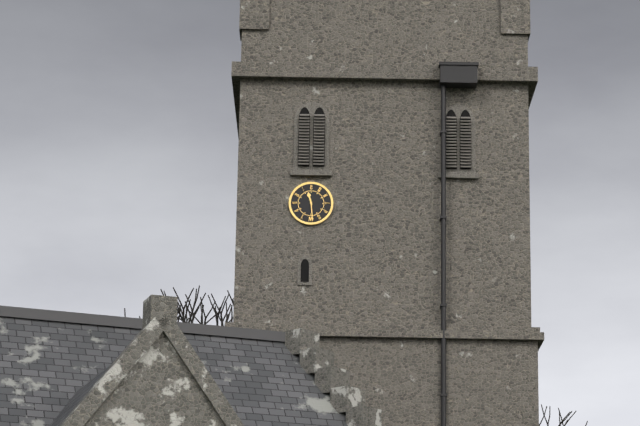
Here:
h=11 m=29
